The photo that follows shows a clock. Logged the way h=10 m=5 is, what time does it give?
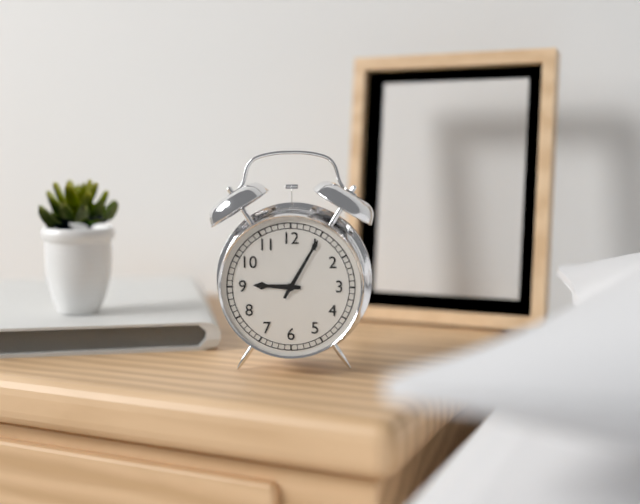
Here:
h=9 m=5
